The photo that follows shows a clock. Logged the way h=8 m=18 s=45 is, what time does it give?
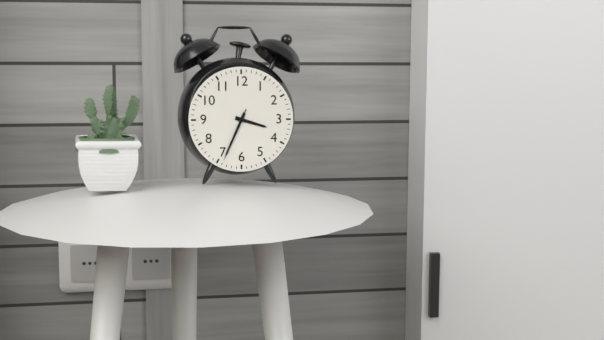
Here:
h=3 m=34 s=34
